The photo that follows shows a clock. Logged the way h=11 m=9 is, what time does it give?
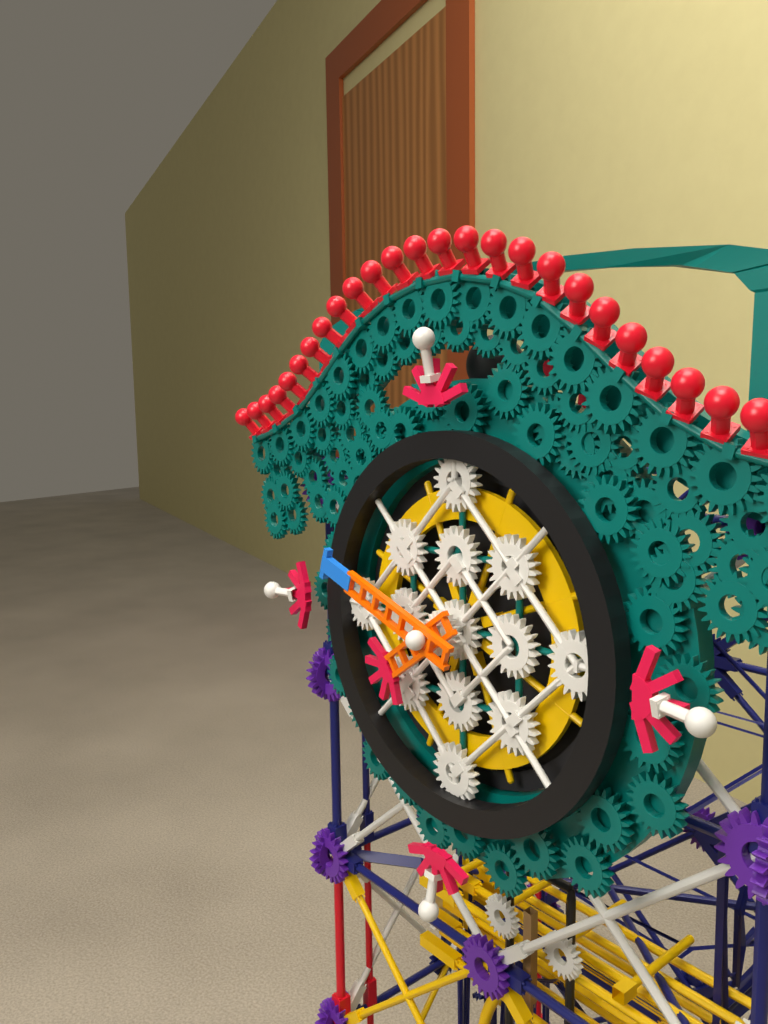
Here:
h=7 m=48
